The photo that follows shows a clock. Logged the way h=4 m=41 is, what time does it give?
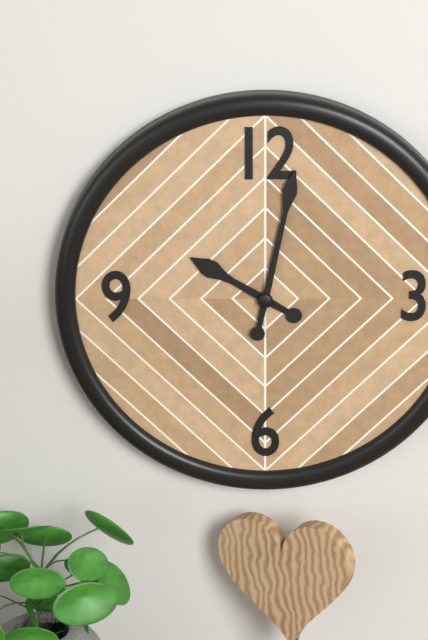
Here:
h=10 m=2
